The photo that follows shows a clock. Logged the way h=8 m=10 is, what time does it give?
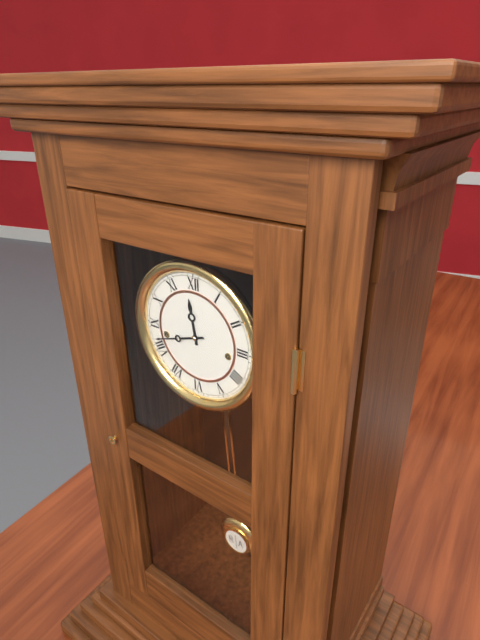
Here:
h=11 m=42
